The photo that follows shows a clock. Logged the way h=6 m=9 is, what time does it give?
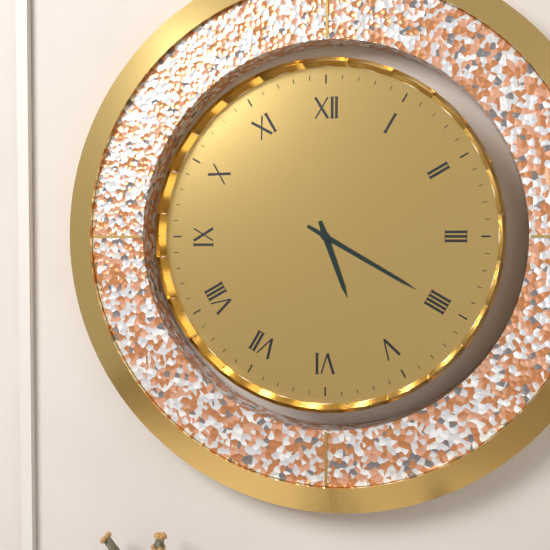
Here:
h=5 m=20
